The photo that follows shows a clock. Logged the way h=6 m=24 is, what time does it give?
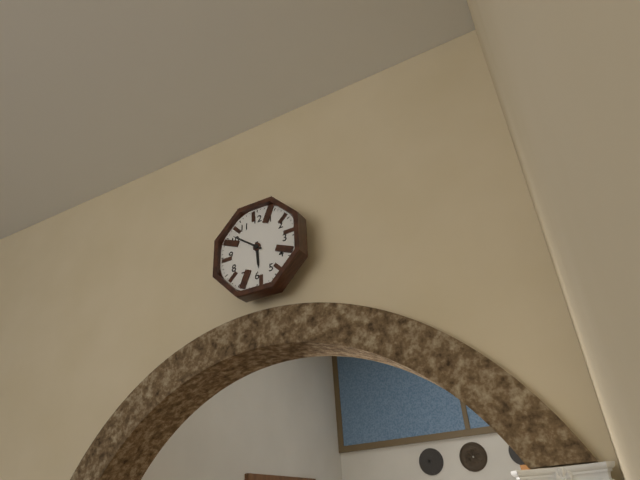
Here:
h=5 m=51
